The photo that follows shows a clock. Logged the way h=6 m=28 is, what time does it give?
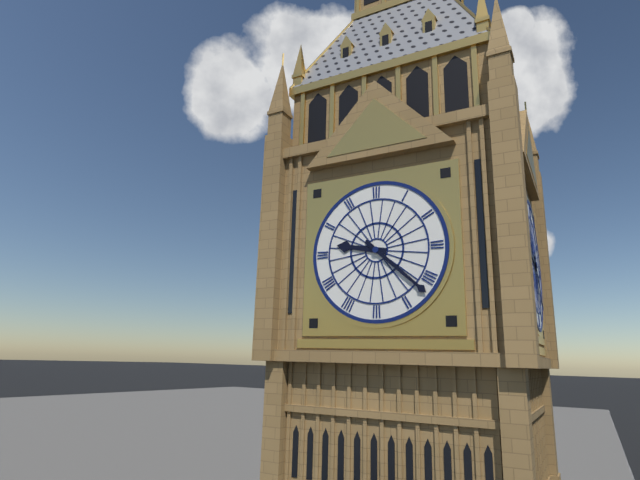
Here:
h=9 m=22
